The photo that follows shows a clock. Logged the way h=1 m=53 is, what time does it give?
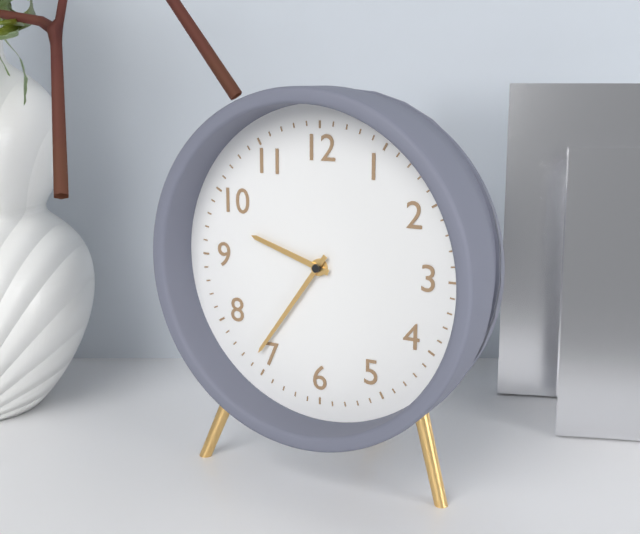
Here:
h=9 m=36
